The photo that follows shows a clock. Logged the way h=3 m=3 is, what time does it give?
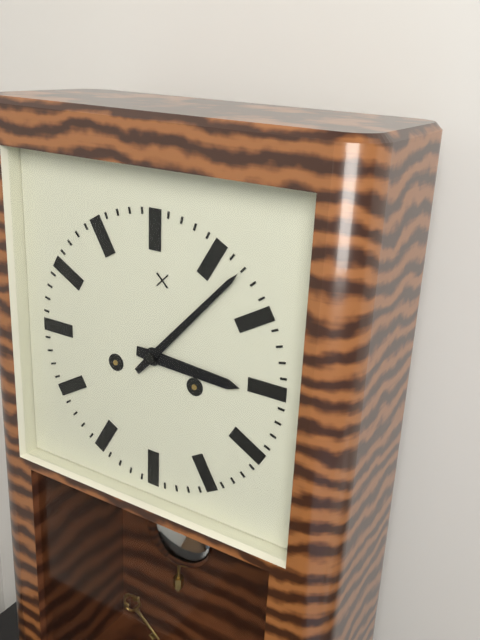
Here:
h=3 m=7
